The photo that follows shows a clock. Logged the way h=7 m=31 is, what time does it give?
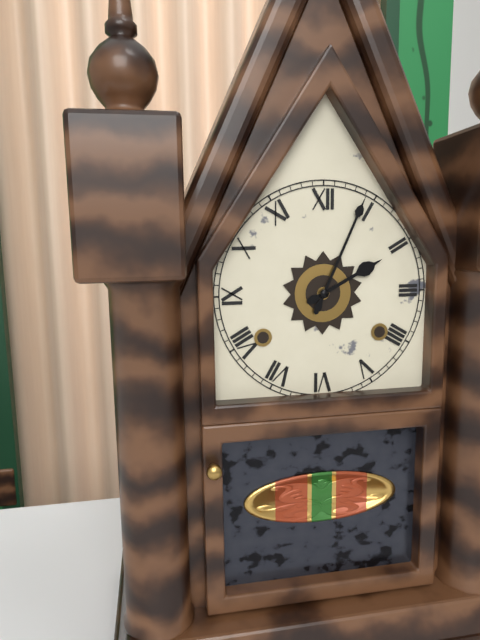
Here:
h=2 m=4
